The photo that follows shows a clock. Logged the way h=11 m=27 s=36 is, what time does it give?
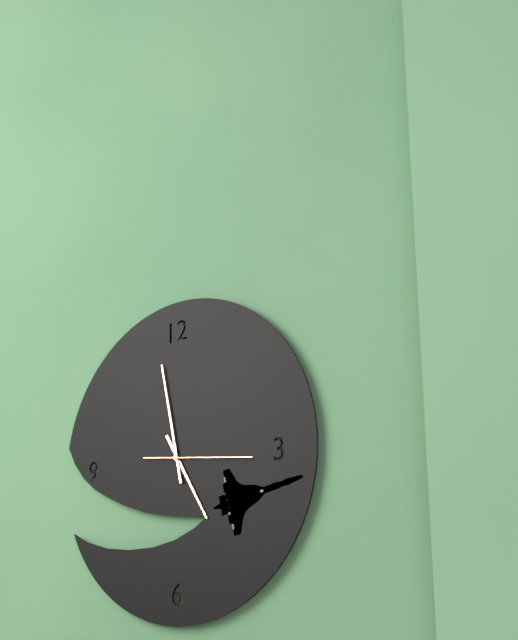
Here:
h=4 m=58 s=16
